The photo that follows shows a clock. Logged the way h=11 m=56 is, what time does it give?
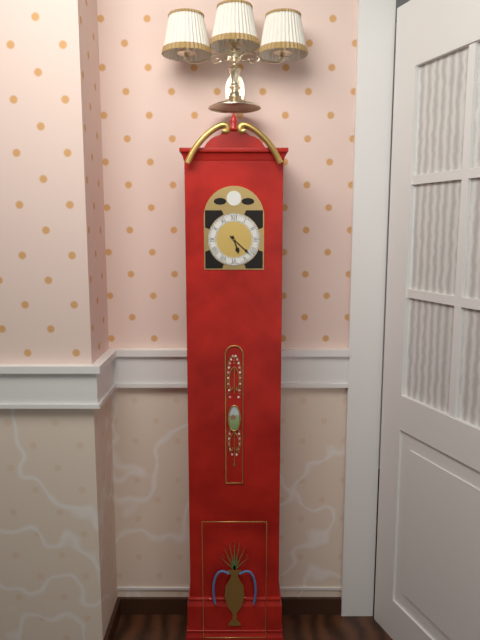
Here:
h=5 m=22
